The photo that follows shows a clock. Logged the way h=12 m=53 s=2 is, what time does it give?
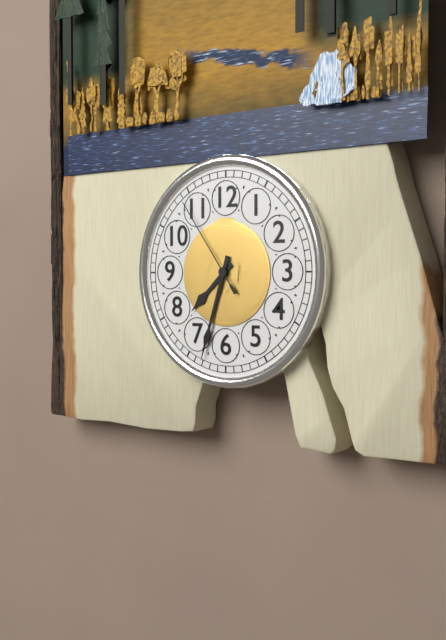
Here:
h=7 m=33 s=54
